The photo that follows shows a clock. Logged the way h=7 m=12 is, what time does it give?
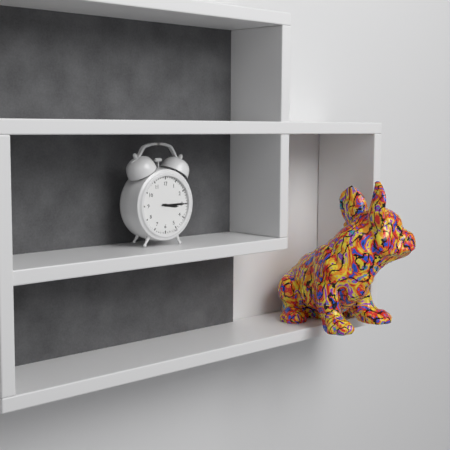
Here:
h=3 m=15
